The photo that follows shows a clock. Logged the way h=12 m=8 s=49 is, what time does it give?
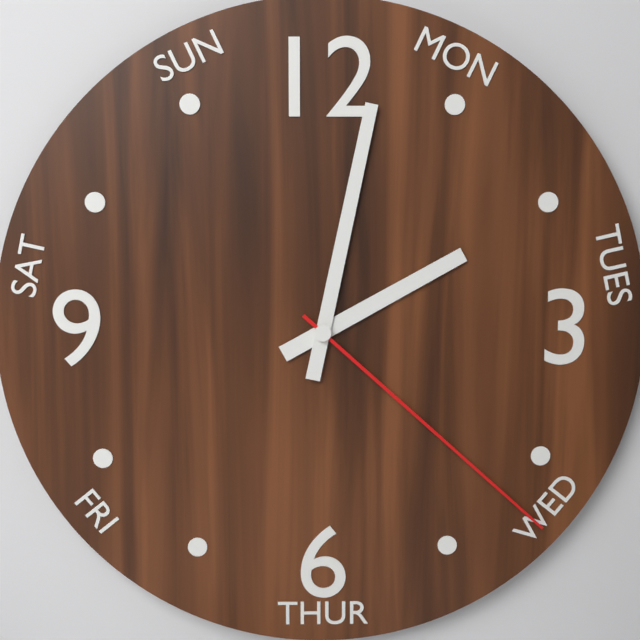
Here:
h=2 m=2 s=22
